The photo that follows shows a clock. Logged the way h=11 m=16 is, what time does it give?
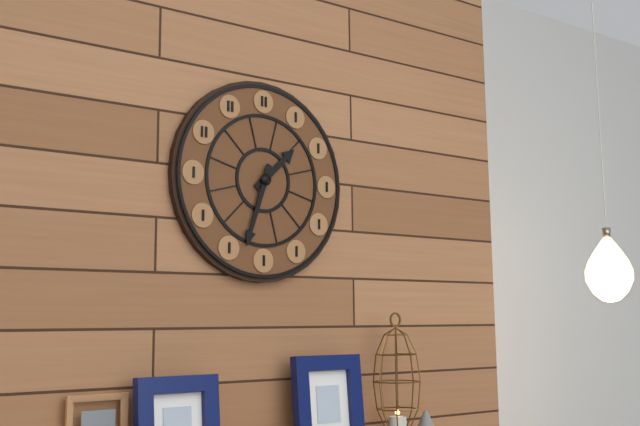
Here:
h=1 m=33
